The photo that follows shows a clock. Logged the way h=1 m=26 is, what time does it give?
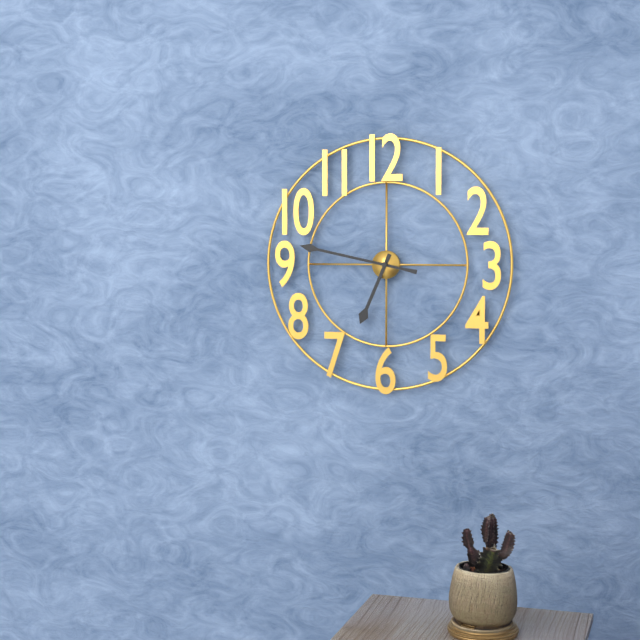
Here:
h=6 m=47
